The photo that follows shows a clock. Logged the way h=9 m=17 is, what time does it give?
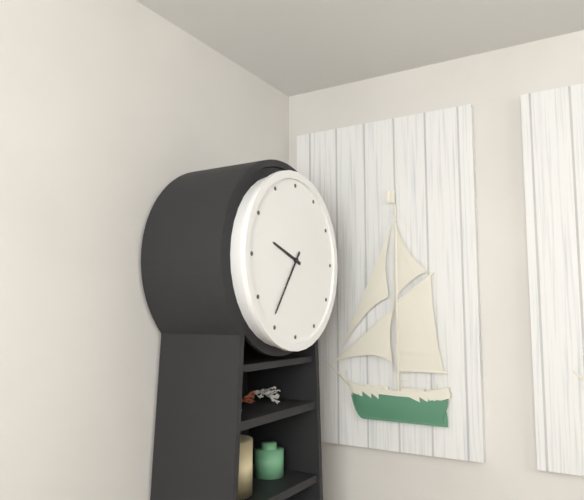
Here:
h=9 m=36
